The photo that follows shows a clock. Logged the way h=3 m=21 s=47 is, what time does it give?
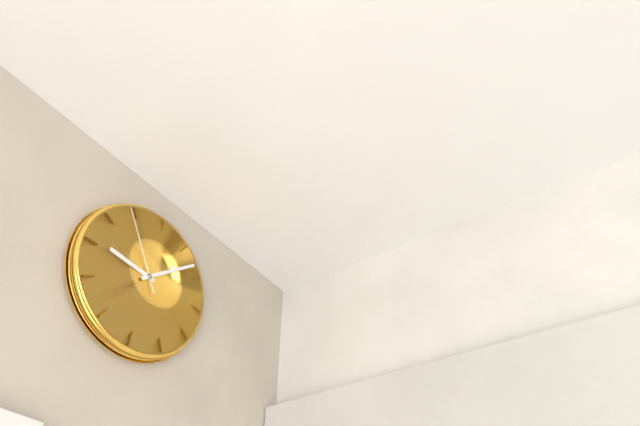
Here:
h=9 m=8 s=54
